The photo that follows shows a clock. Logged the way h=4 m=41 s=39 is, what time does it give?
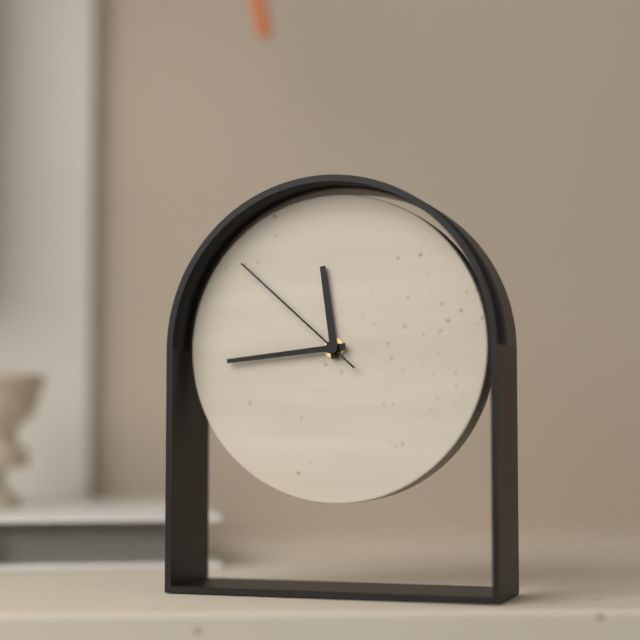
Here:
h=11 m=44 s=52
